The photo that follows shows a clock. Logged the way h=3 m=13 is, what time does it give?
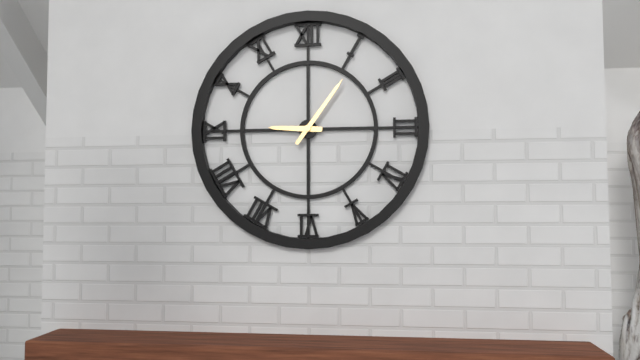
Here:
h=9 m=6
